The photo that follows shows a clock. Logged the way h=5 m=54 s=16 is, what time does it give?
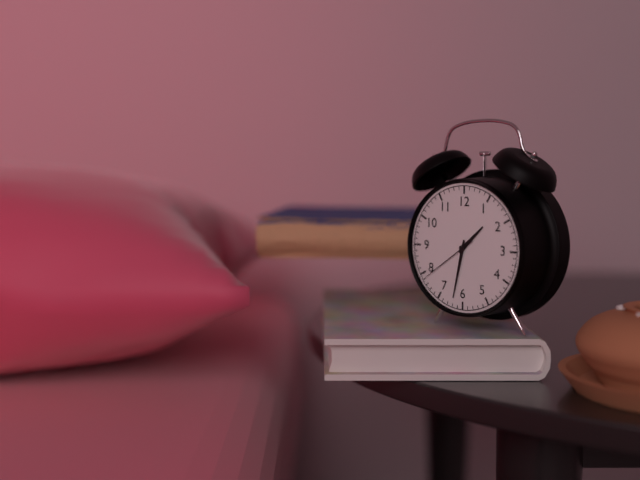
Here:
h=1 m=32 s=39
